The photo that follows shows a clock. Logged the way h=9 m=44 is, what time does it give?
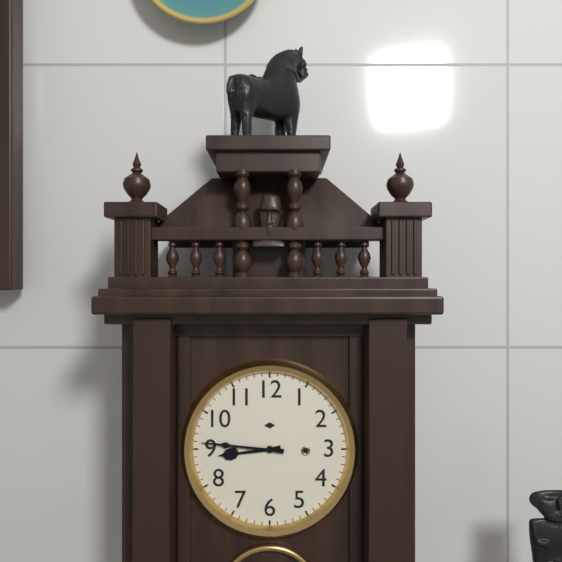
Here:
h=8 m=46
